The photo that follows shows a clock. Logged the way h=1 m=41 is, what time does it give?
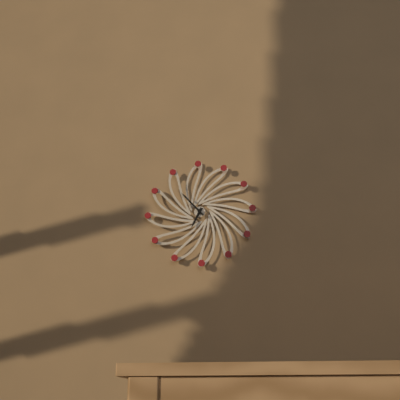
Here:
h=6 m=53
